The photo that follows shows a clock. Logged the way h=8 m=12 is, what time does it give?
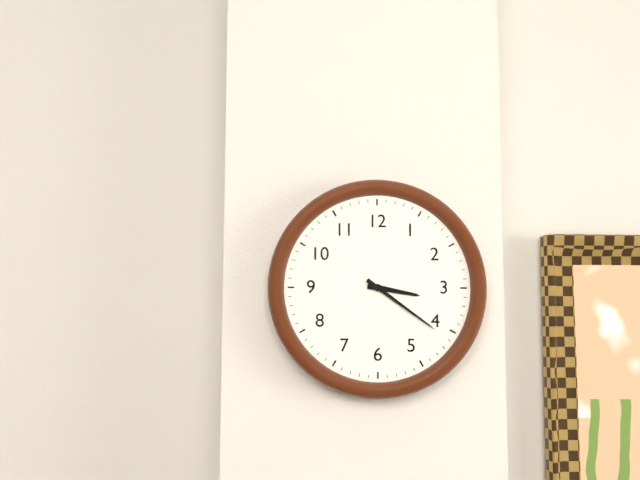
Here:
h=3 m=21
